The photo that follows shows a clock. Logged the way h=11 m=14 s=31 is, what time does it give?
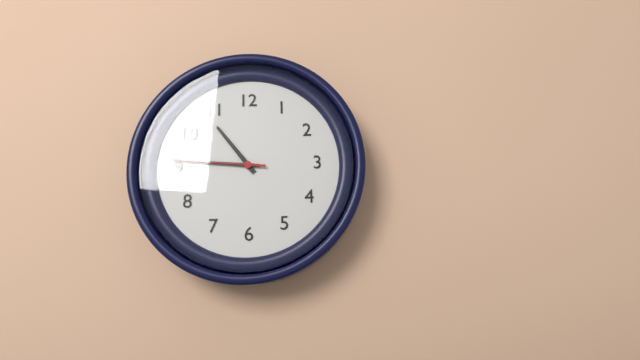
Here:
h=10 m=46 s=46
